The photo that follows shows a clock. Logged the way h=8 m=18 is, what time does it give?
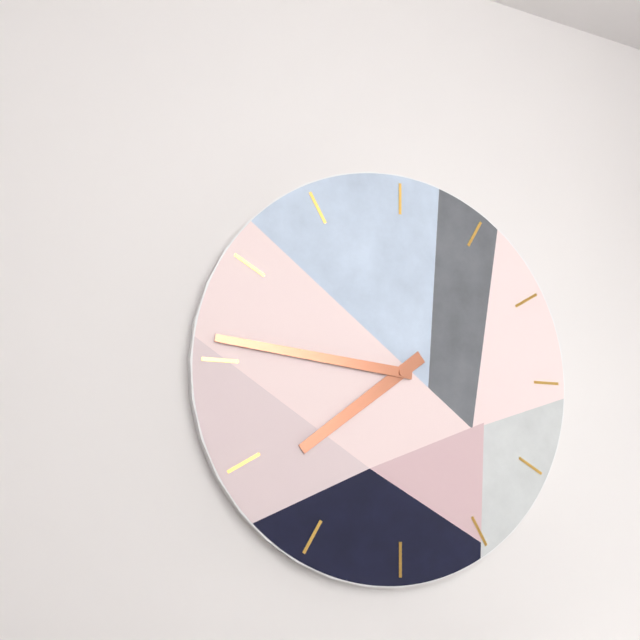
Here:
h=7 m=46
